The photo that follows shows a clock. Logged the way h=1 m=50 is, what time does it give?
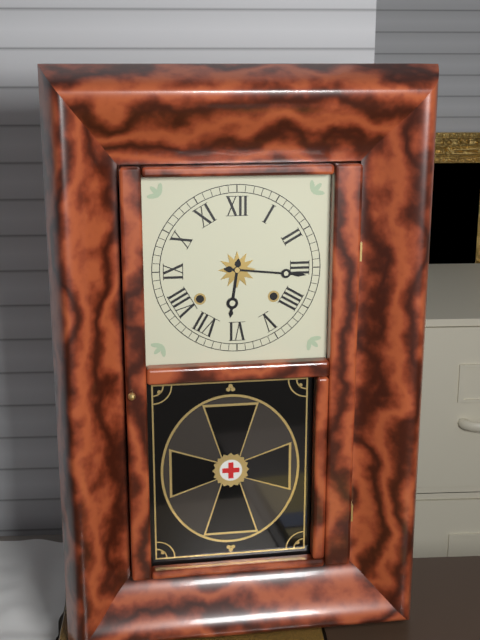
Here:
h=6 m=16
